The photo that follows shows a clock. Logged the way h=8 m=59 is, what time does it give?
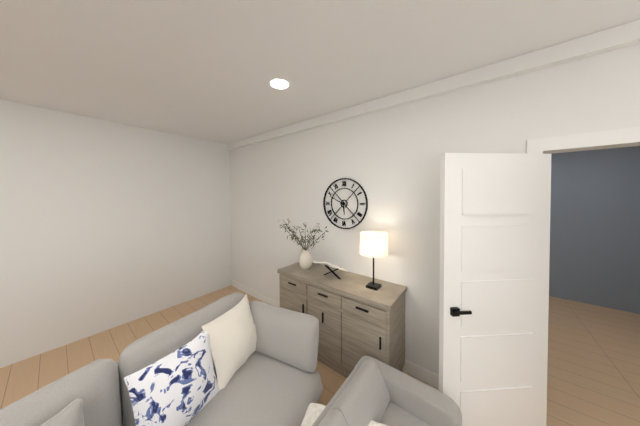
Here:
h=5 m=49
